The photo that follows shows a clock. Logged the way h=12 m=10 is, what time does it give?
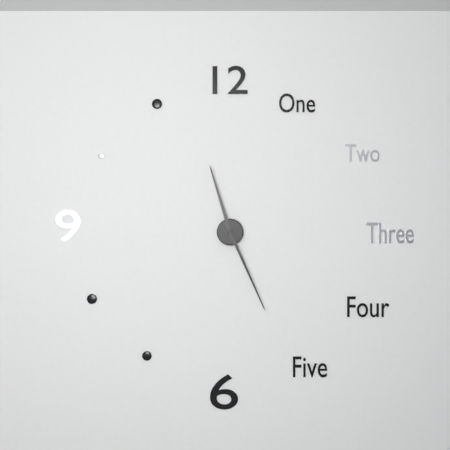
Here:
h=11 m=26
